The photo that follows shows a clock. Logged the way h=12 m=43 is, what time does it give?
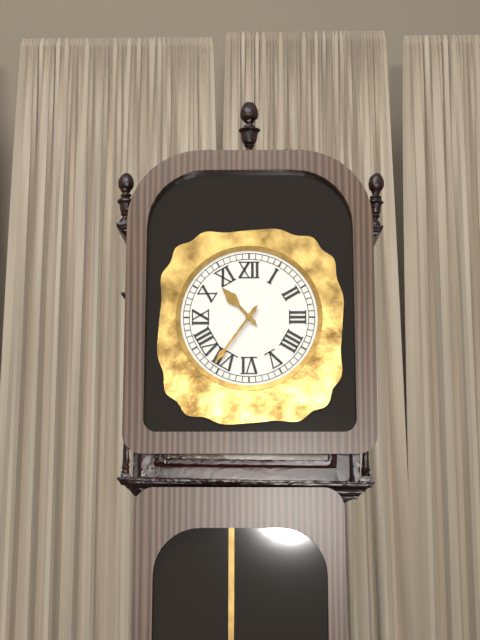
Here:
h=10 m=36
